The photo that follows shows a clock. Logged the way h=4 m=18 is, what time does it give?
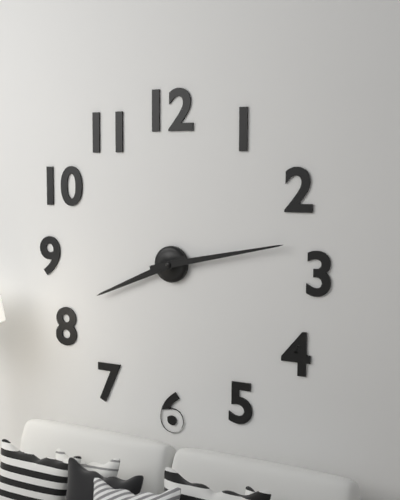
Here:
h=8 m=13
